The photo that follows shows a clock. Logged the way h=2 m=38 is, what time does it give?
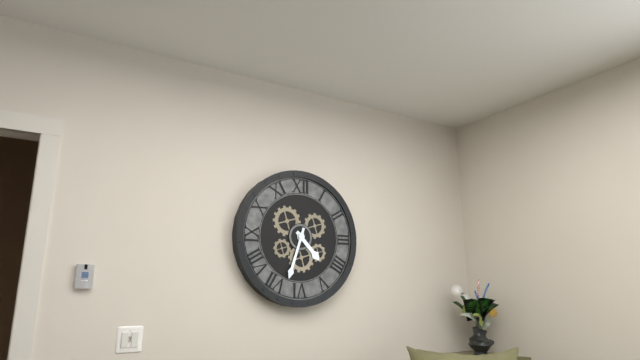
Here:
h=4 m=33
